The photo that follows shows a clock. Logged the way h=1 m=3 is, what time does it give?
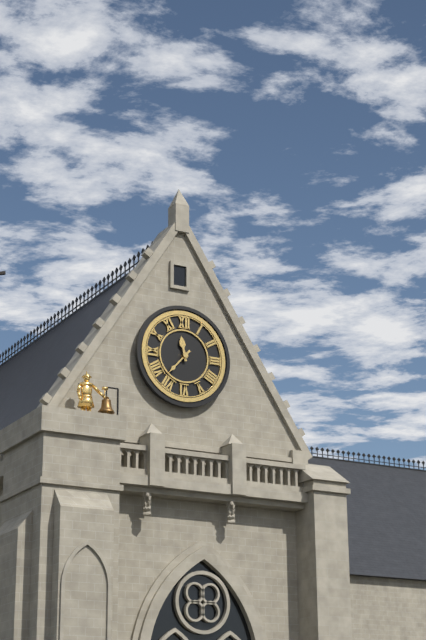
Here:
h=11 m=37
